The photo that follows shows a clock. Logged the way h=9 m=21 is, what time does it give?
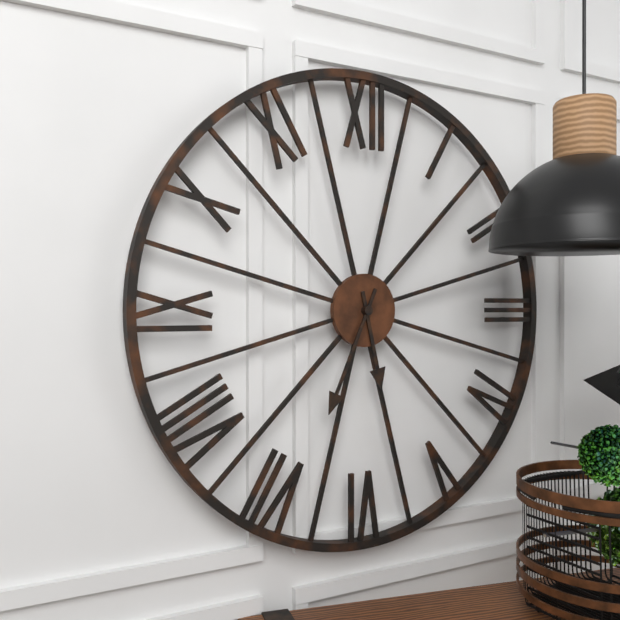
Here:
h=5 m=34
